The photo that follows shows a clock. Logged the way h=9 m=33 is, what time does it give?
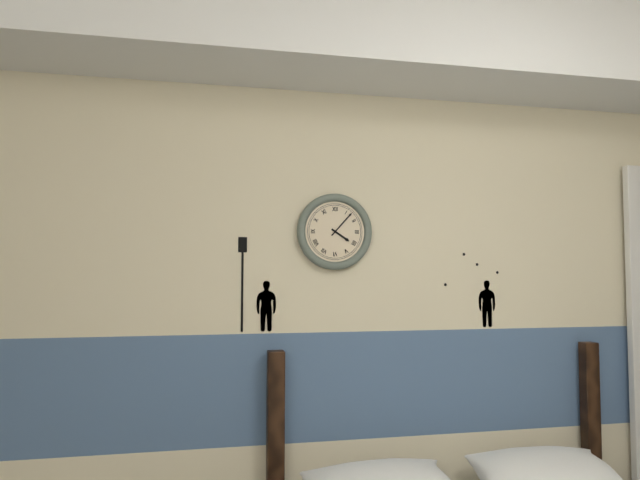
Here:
h=4 m=7
